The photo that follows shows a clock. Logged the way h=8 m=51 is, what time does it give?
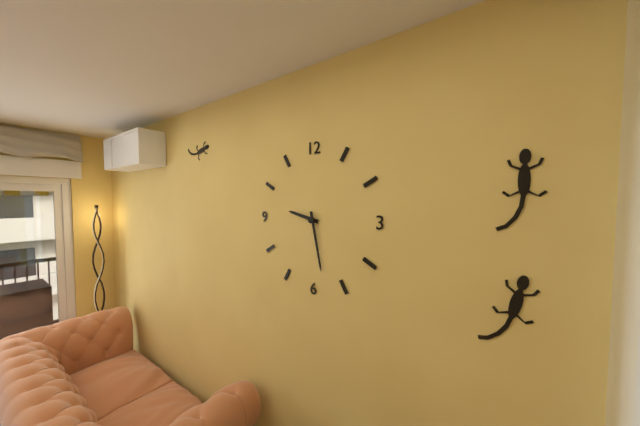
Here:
h=9 m=28
